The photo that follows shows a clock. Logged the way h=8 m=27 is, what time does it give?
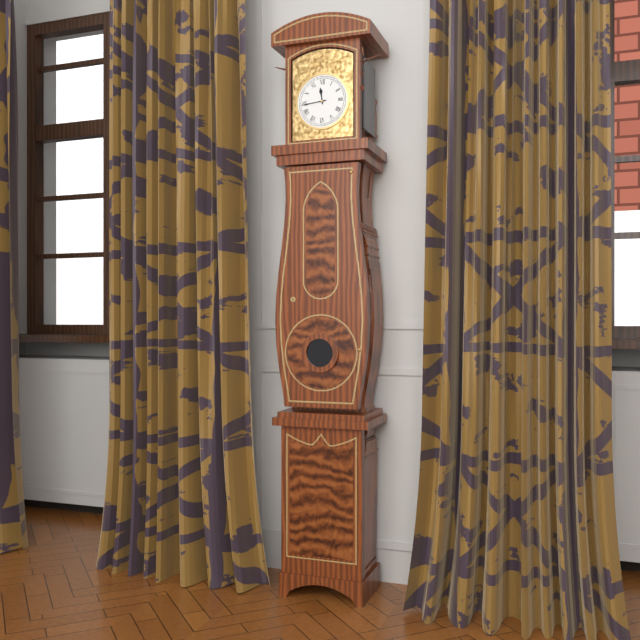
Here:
h=11 m=44
